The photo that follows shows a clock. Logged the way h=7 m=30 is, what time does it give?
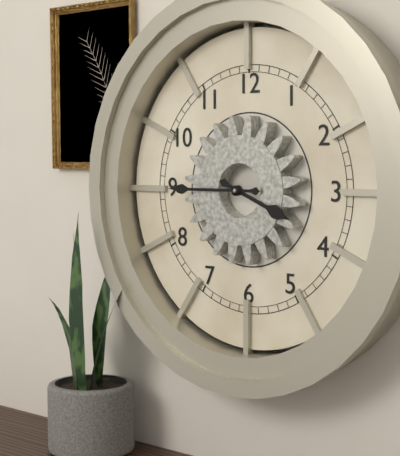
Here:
h=3 m=45
